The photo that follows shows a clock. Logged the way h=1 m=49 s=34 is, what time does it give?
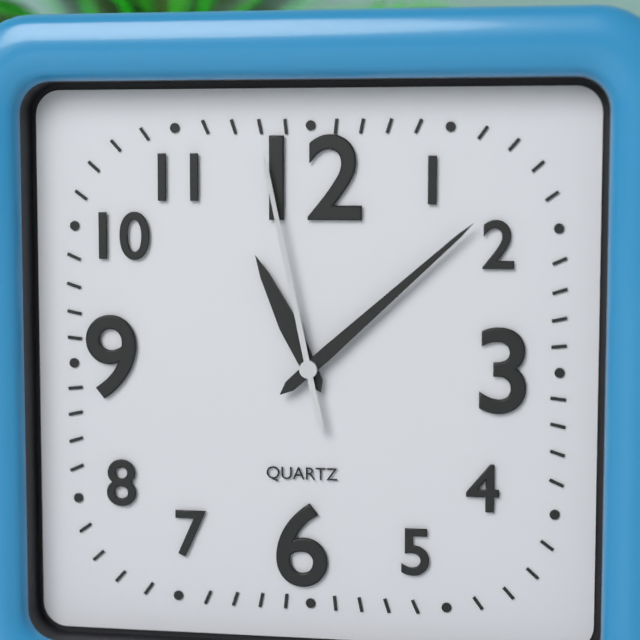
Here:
h=11 m=8 s=58
